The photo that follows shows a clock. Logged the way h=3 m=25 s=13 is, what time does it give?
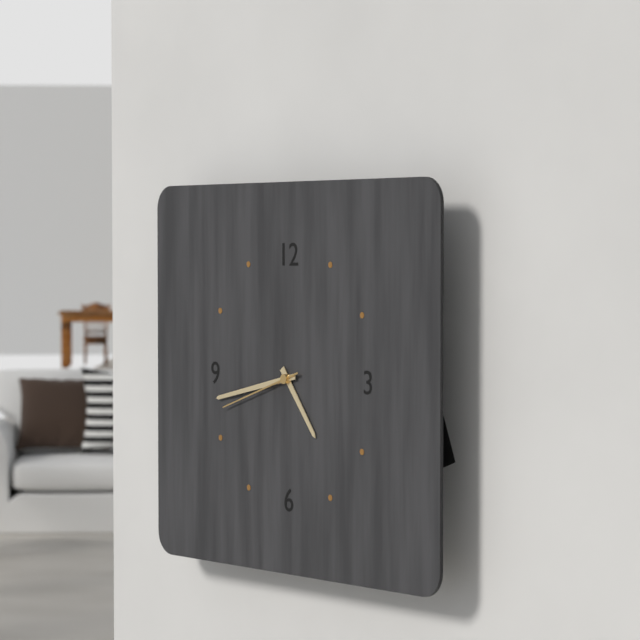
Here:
h=4 m=43 s=42
